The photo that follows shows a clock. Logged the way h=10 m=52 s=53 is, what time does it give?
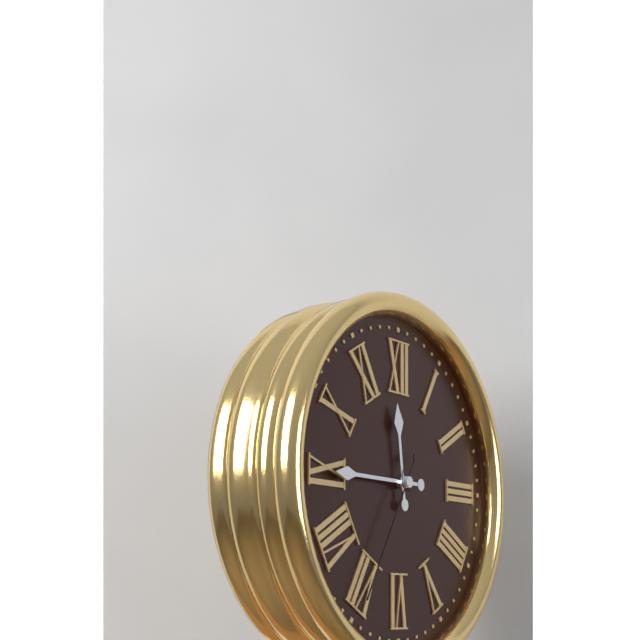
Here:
h=11 m=45 s=35
